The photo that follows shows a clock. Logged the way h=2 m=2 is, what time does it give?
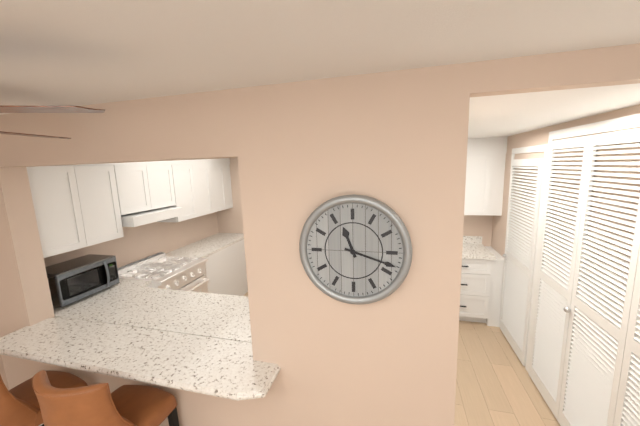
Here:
h=11 m=18
